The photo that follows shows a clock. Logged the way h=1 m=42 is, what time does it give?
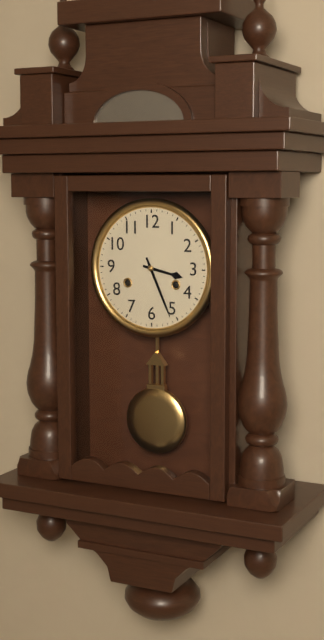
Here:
h=3 m=26
